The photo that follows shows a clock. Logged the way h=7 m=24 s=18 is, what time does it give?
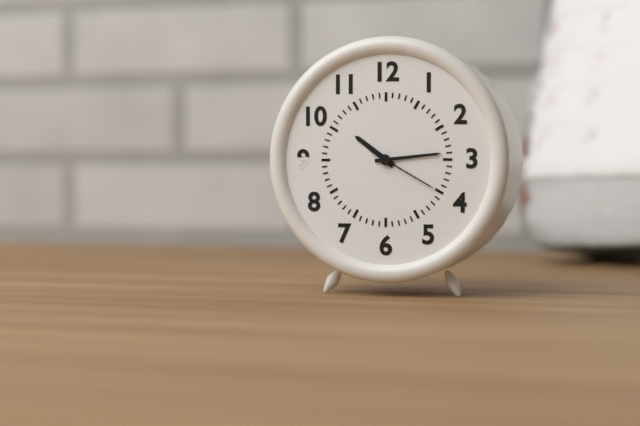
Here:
h=10 m=14 s=20
